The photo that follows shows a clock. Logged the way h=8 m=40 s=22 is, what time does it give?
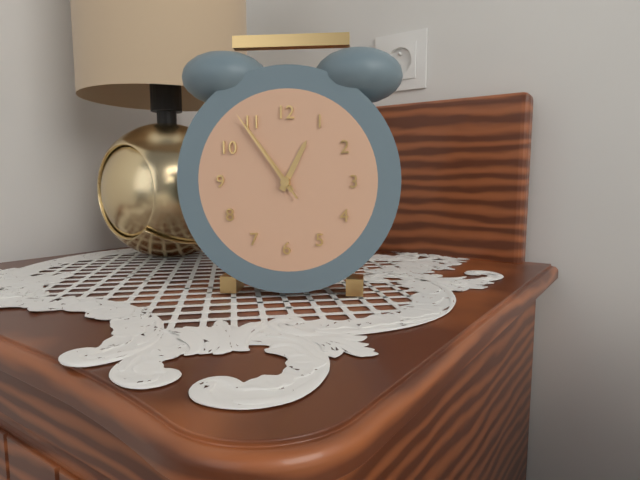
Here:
h=12 m=54 s=54
